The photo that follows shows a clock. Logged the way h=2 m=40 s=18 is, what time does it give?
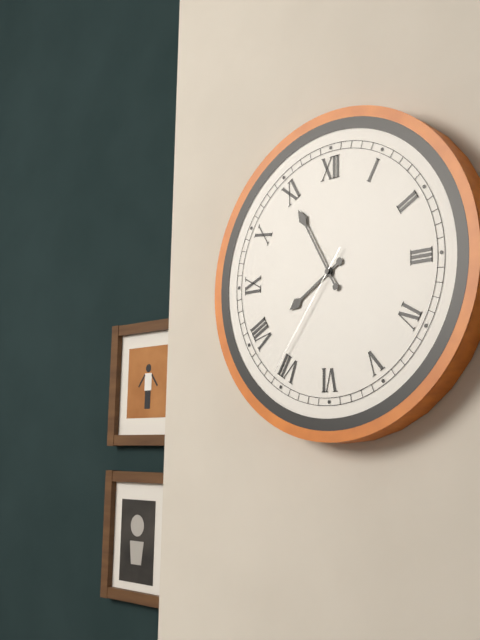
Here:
h=7 m=55 s=36
